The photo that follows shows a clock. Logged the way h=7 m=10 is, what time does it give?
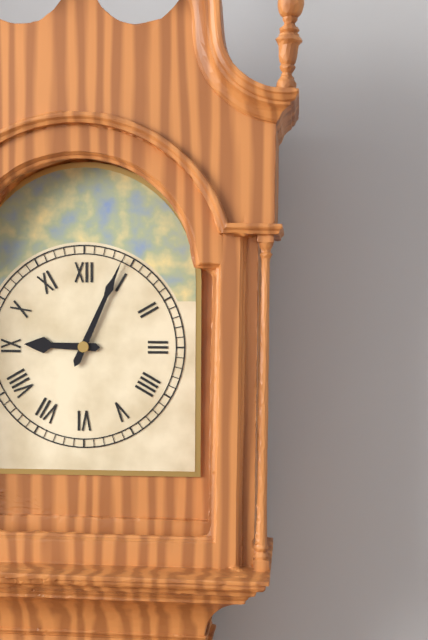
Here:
h=9 m=4
